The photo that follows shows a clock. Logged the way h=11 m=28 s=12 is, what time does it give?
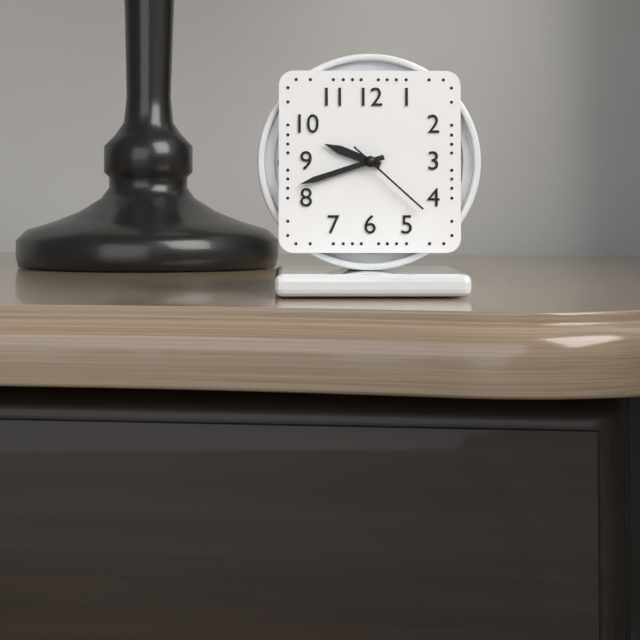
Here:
h=9 m=42 s=22
